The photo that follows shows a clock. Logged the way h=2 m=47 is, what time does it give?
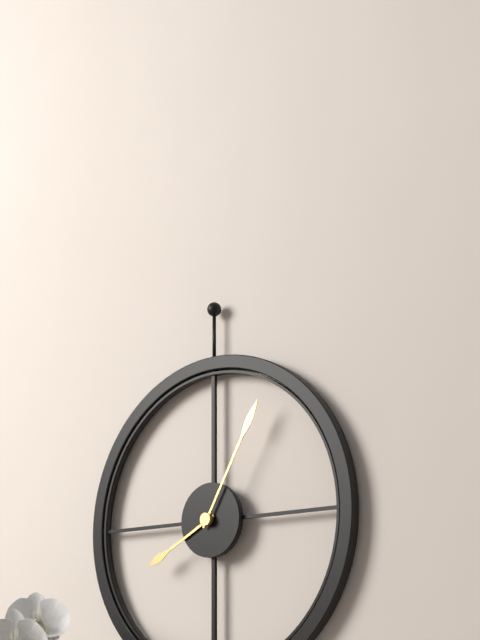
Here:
h=8 m=5
